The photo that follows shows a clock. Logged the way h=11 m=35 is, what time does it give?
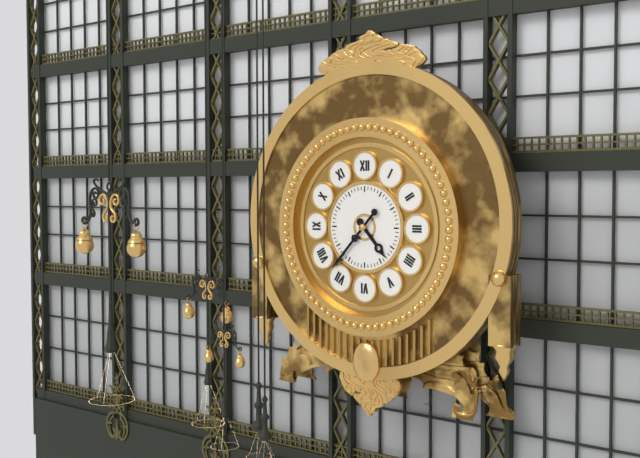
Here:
h=4 m=37
